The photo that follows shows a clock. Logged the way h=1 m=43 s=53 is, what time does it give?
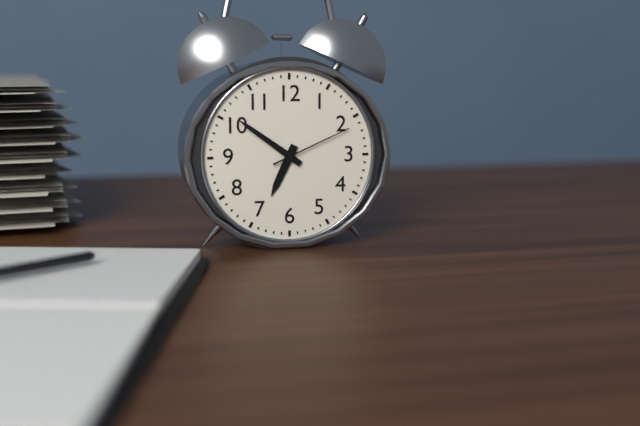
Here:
h=6 m=51 s=11
